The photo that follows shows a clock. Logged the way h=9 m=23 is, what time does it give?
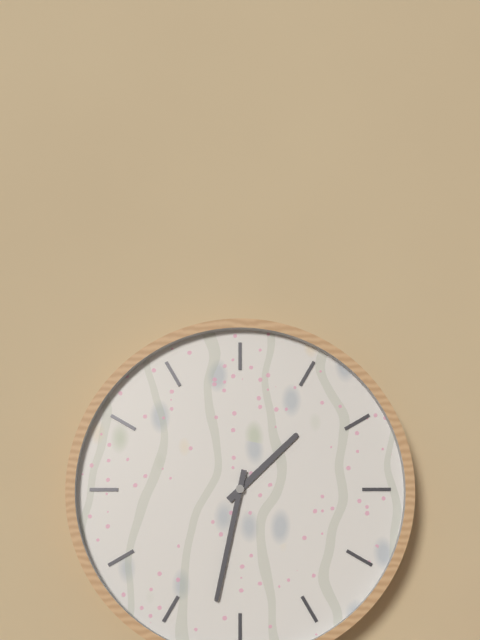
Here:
h=1 m=32
